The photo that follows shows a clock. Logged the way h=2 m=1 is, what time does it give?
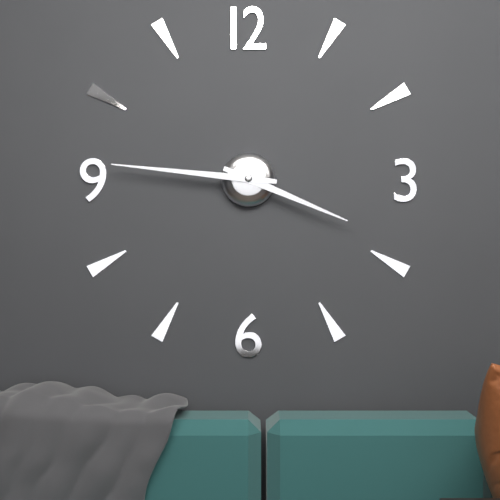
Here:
h=3 m=46
